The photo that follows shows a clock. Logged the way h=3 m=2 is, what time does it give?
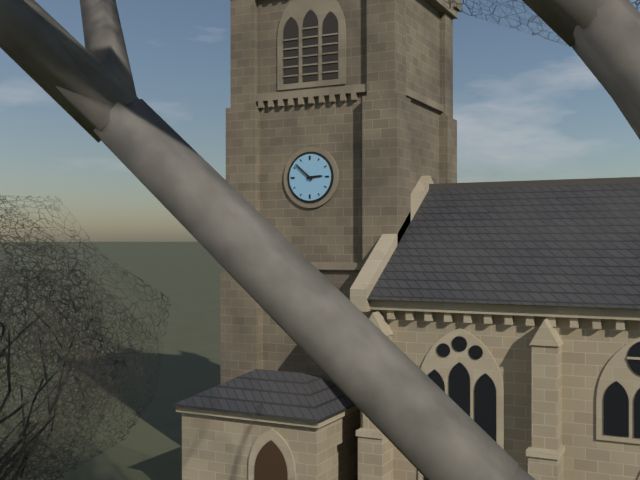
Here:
h=2 m=52
